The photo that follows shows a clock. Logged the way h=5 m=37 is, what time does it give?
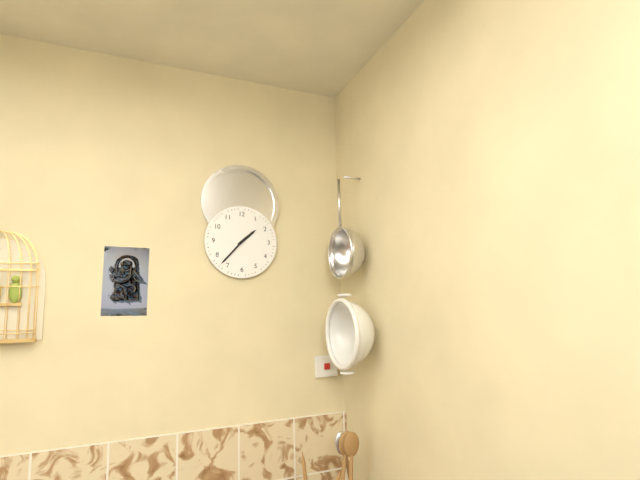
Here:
h=1 m=37
